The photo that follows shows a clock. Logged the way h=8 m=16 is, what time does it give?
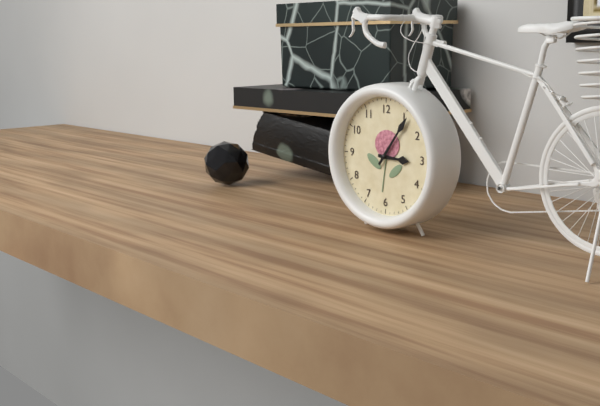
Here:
h=3 m=6
